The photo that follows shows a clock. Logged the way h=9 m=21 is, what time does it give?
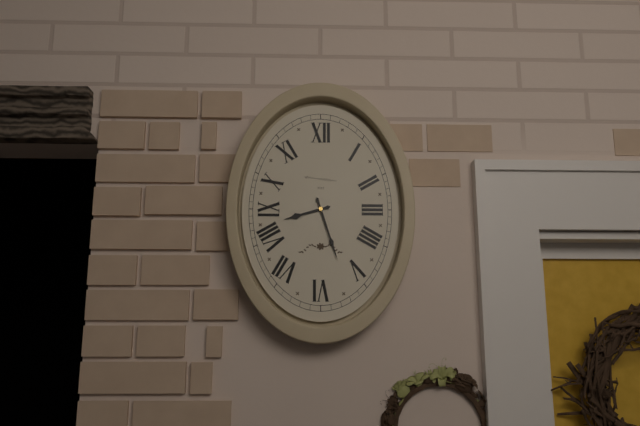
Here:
h=8 m=27
